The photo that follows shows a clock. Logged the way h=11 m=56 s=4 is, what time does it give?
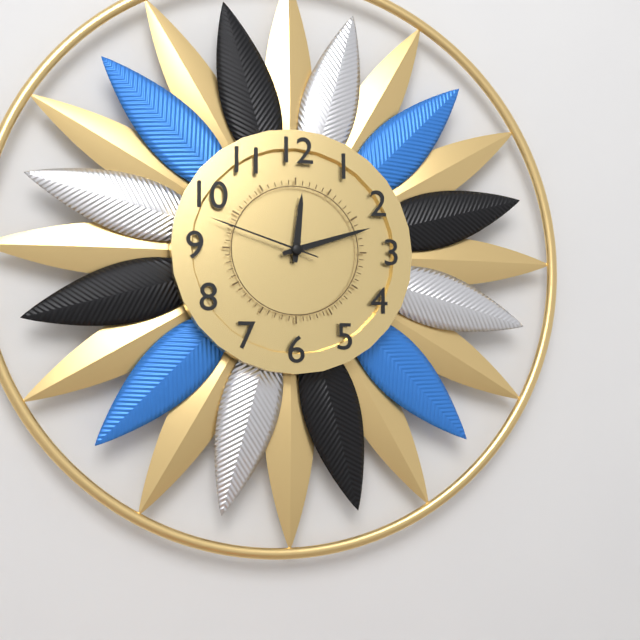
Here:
h=12 m=12 s=48
